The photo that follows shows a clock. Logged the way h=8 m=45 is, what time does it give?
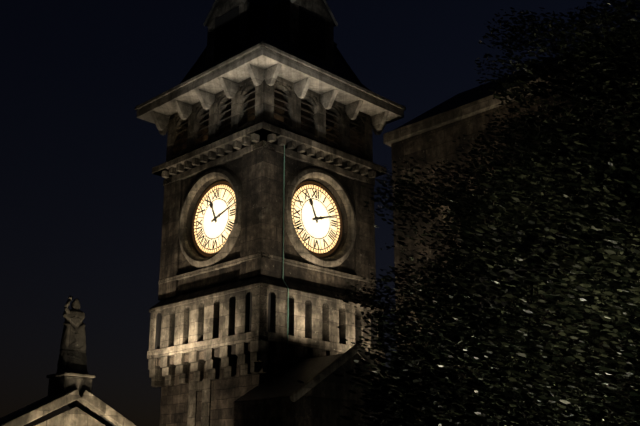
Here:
h=11 m=12
